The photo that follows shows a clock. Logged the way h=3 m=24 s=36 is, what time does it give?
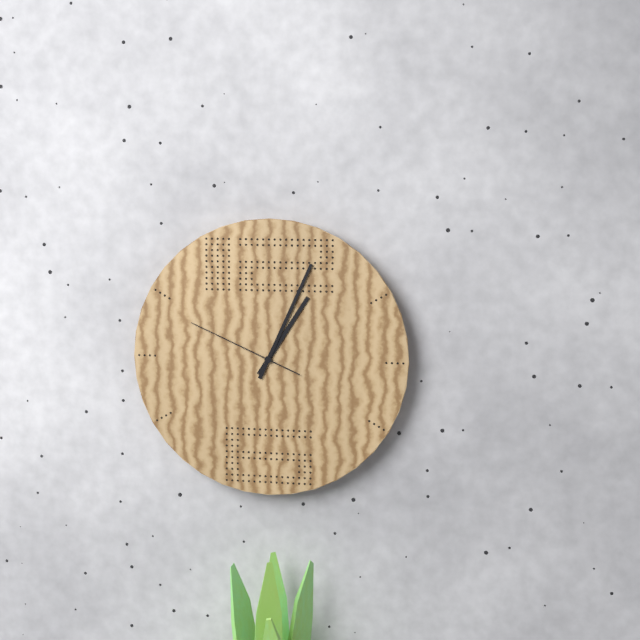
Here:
h=1 m=4 s=49
